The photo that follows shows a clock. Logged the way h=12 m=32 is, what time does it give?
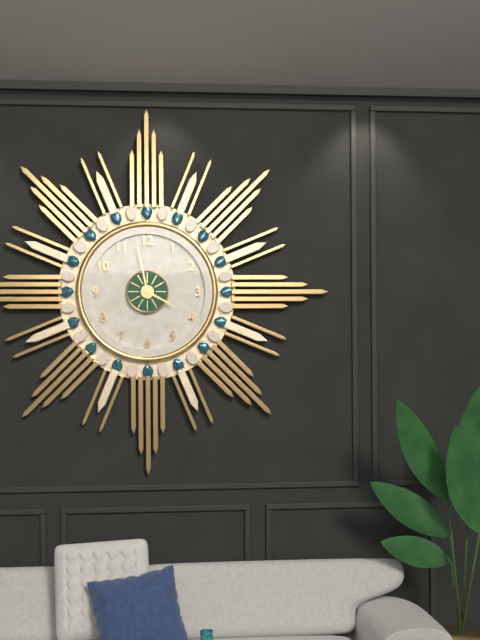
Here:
h=3 m=58
